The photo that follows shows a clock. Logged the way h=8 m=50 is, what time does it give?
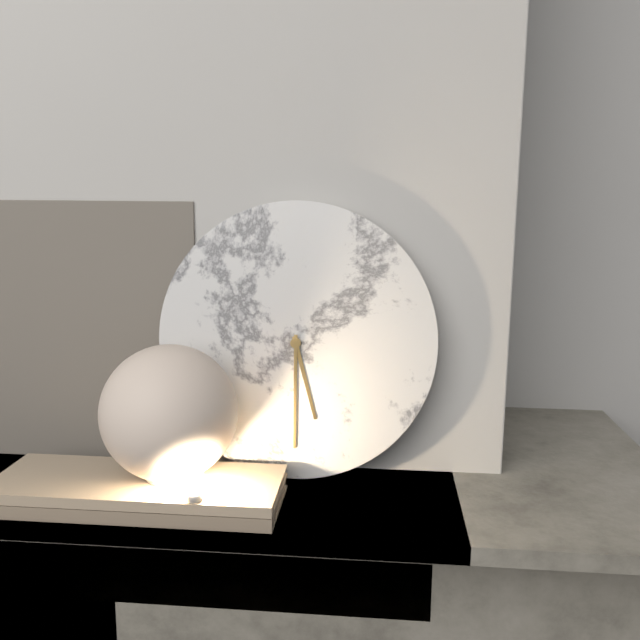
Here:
h=5 m=30
